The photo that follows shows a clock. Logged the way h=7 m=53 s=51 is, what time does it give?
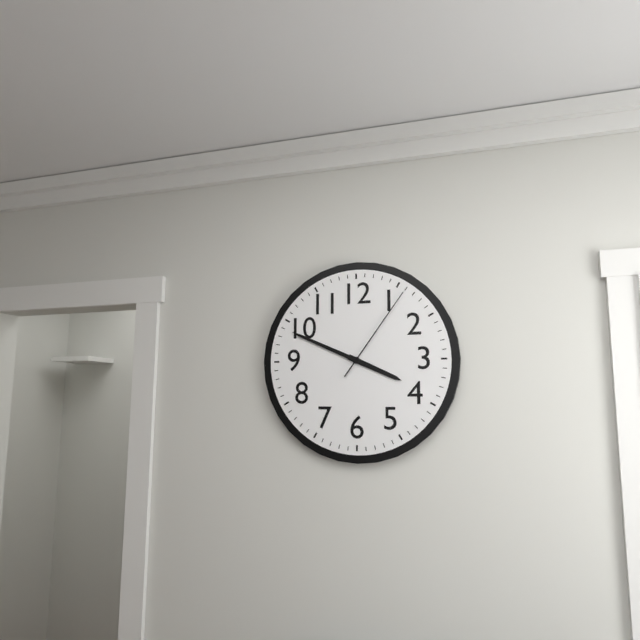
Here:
h=3 m=49 s=6
